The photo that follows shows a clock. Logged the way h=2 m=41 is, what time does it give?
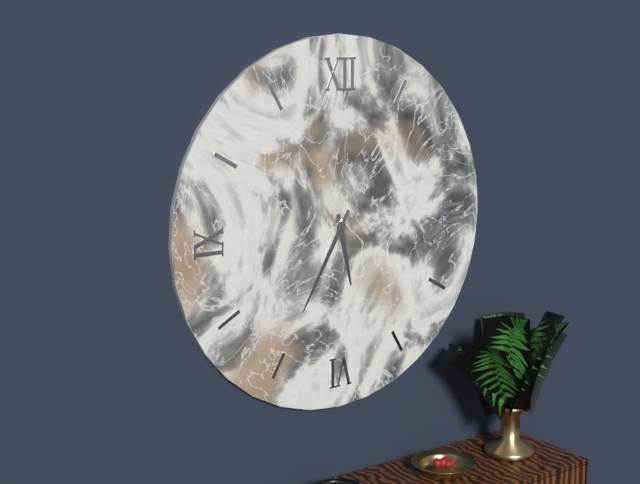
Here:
h=5 m=35
